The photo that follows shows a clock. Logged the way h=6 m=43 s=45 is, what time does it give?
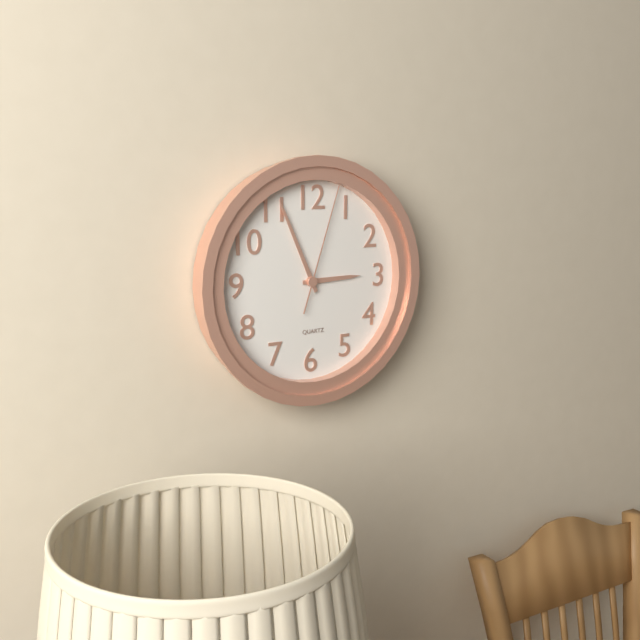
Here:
h=2 m=56 s=3
